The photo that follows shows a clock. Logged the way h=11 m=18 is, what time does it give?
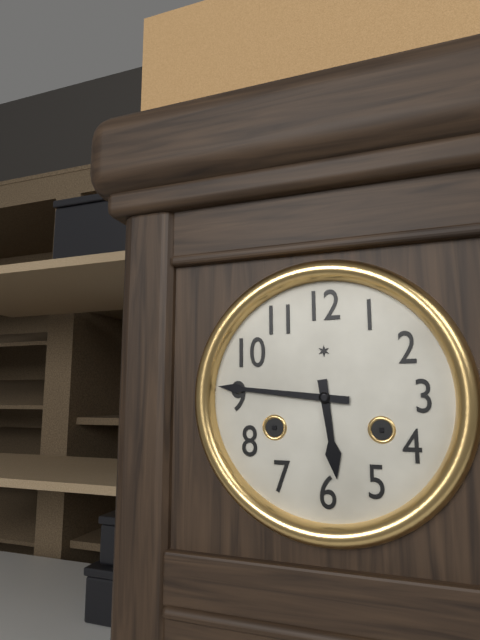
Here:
h=5 m=46
